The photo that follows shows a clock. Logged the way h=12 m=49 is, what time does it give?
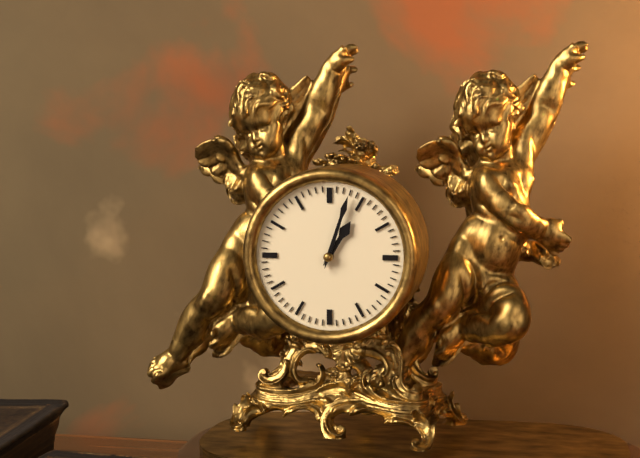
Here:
h=1 m=3
